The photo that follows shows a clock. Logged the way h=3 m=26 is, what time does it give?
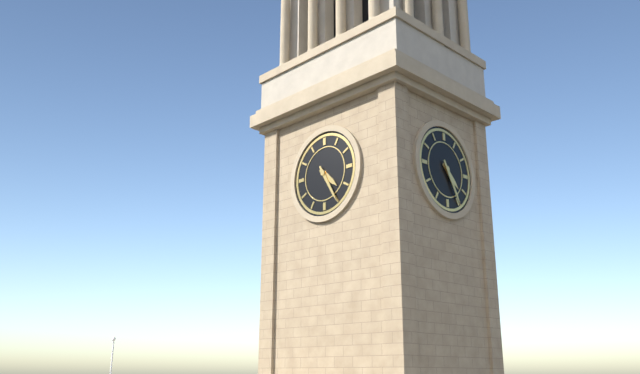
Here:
h=4 m=25
